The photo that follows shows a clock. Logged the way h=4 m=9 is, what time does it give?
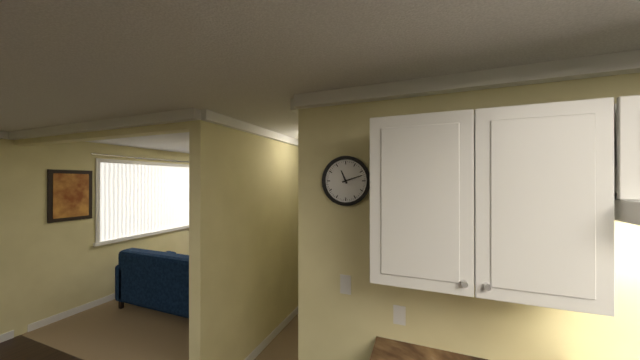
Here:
h=11 m=12
